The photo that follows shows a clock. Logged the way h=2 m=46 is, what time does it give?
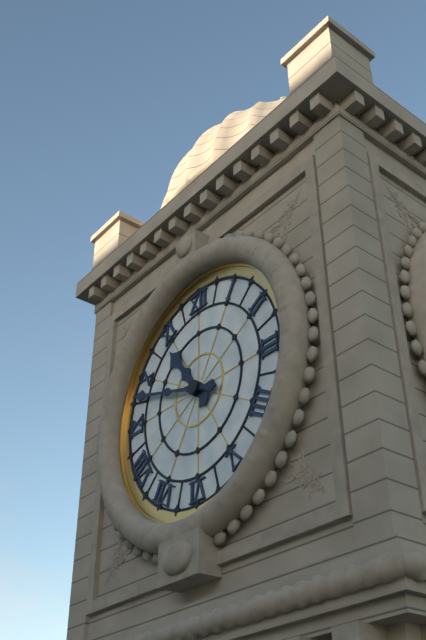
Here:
h=10 m=48
